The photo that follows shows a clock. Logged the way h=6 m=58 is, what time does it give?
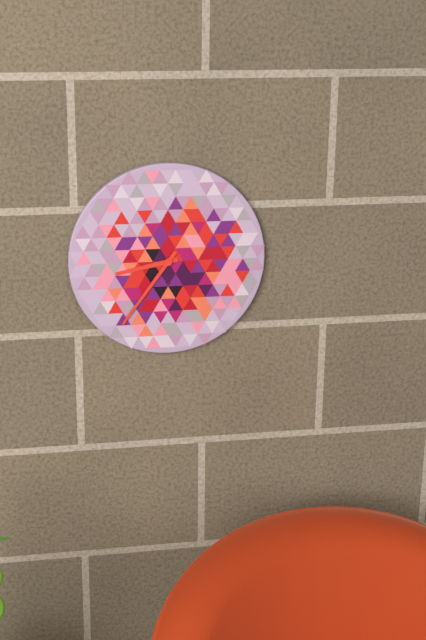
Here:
h=8 m=36
